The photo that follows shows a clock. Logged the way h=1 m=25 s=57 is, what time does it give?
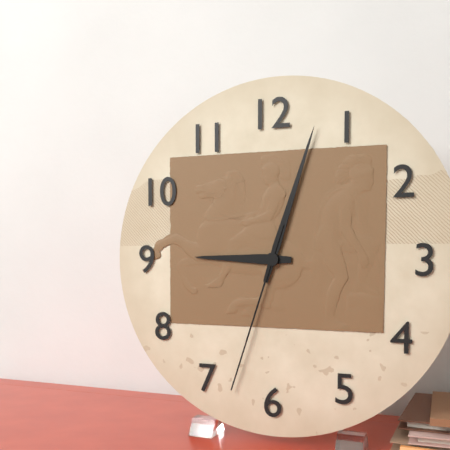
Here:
h=9 m=3 s=33
